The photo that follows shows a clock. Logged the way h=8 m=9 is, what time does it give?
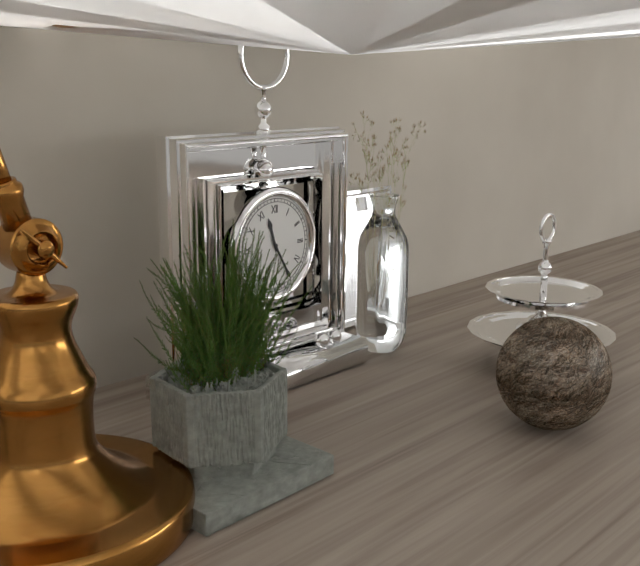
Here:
h=11 m=25
